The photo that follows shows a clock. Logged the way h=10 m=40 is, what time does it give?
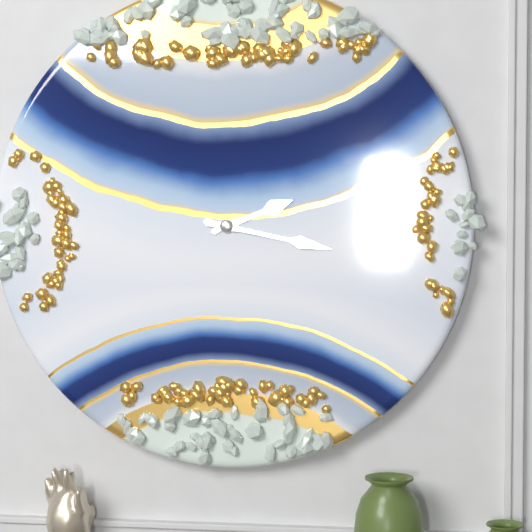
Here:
h=2 m=17
